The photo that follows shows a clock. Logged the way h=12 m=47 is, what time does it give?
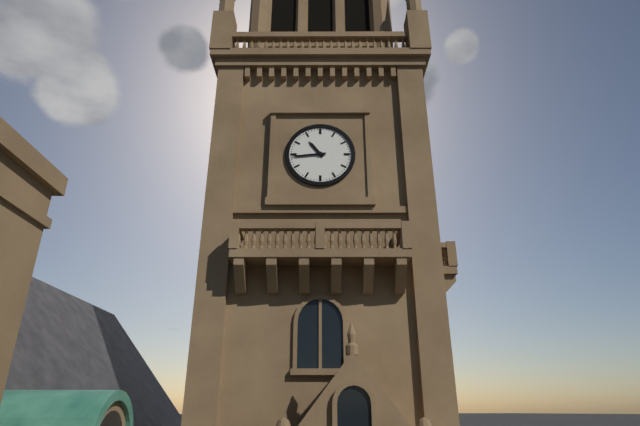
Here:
h=10 m=44
